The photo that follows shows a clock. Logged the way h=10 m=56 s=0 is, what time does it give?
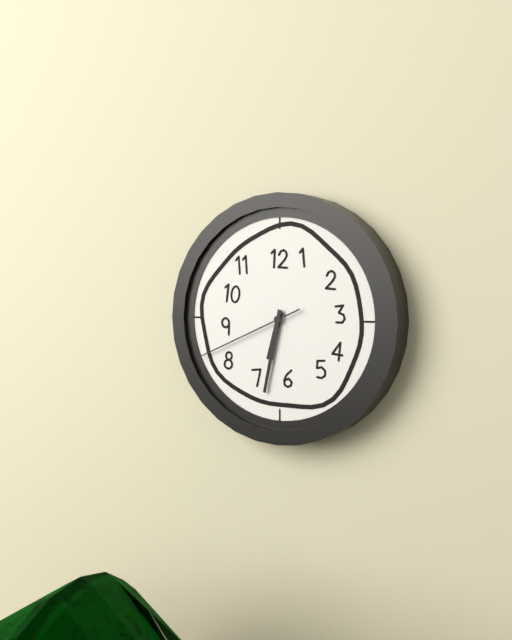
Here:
h=6 m=32 s=41
